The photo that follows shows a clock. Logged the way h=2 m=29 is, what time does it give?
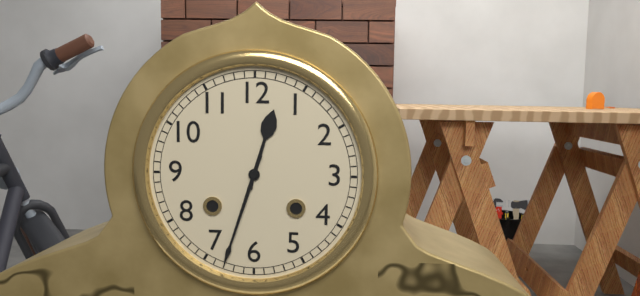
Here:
h=12 m=33
